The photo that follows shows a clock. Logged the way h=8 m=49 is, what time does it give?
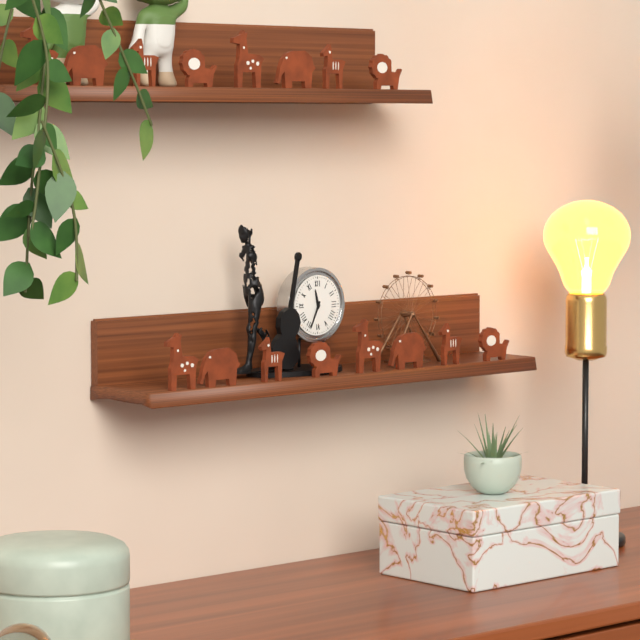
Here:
h=11 m=34
